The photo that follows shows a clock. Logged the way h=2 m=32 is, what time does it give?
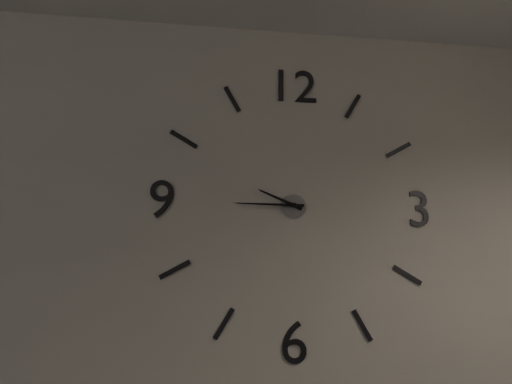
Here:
h=9 m=45
